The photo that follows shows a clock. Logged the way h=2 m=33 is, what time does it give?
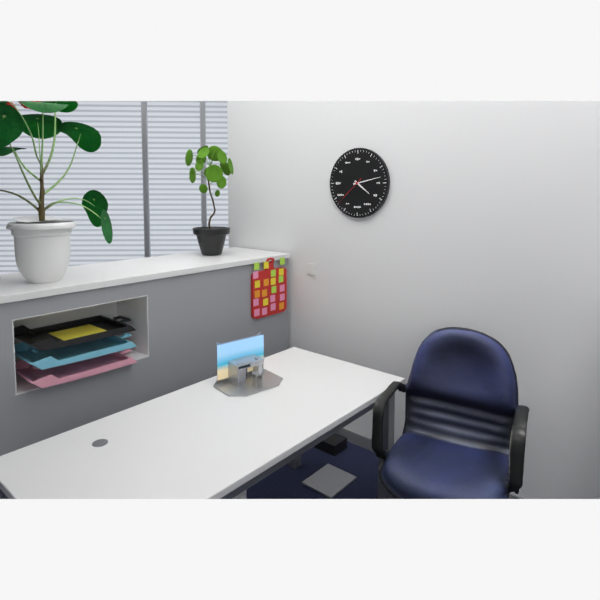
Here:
h=4 m=13
